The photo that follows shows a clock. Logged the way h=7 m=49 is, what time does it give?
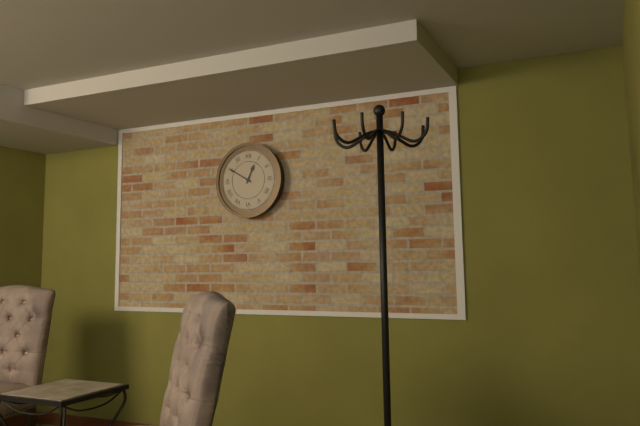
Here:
h=12 m=50
